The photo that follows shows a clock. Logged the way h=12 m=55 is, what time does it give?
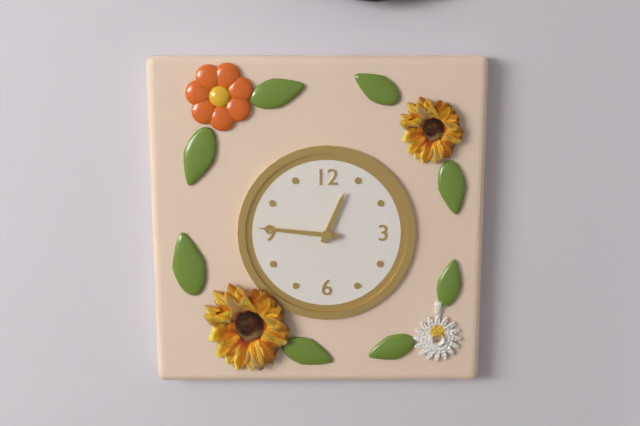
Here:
h=12 m=46
